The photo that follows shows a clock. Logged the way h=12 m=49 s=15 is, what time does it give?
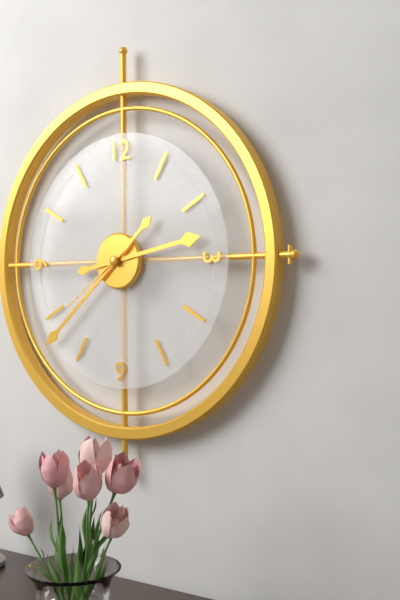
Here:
h=2 m=38 s=39
